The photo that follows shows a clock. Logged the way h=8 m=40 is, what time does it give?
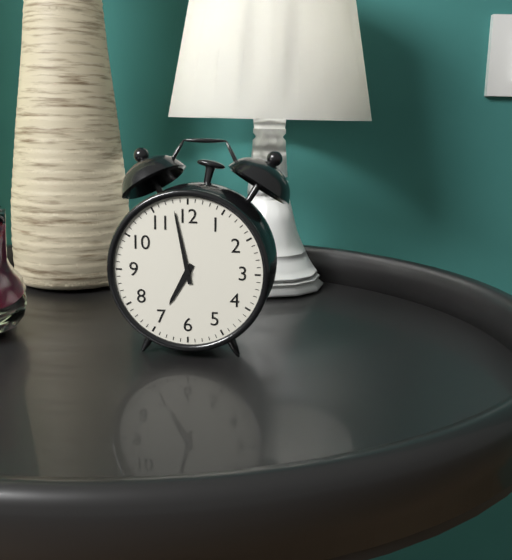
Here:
h=6 m=58
